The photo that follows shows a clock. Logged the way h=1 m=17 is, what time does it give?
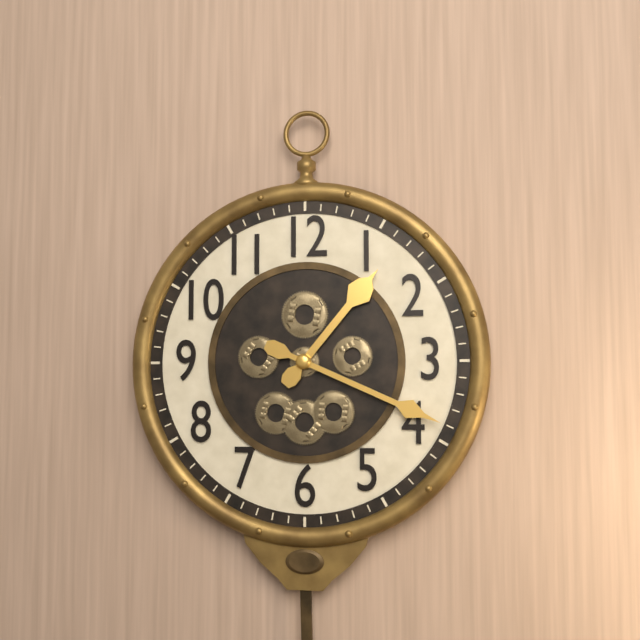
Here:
h=1 m=19
